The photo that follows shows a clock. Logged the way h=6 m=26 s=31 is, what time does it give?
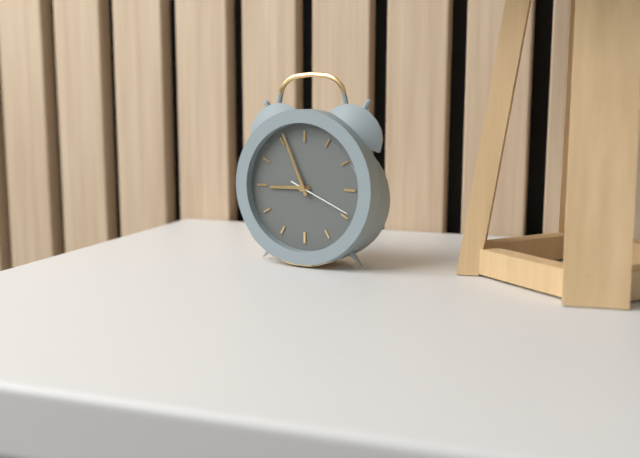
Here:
h=8 m=56 s=19
